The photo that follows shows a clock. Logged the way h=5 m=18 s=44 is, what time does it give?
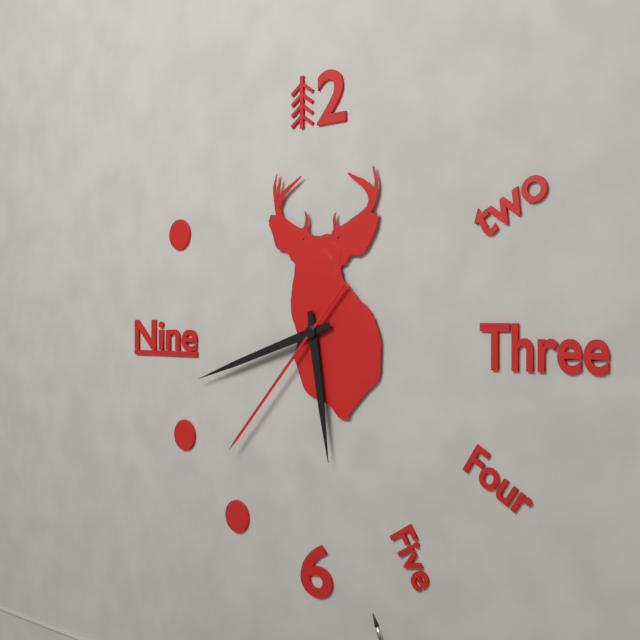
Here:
h=5 m=42 s=37
